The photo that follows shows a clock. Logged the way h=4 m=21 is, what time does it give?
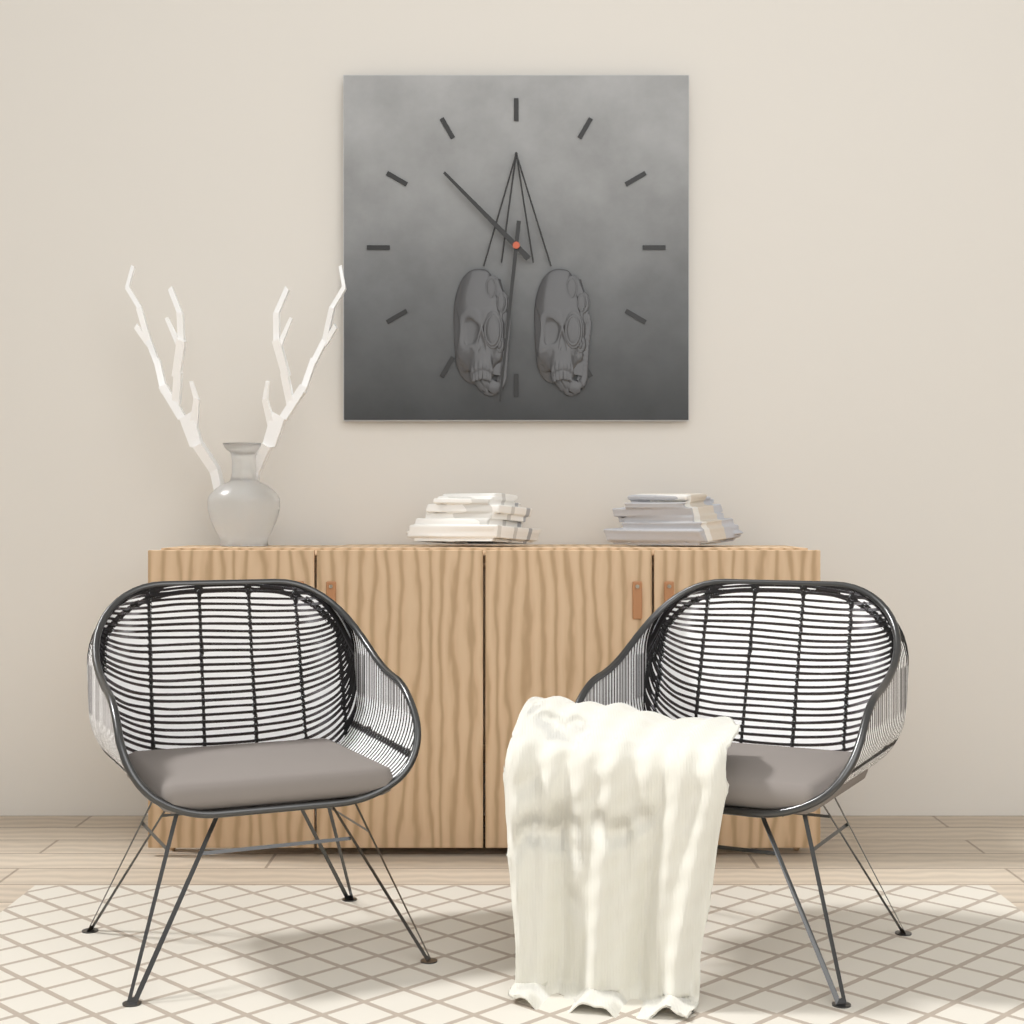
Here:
h=10 m=31
